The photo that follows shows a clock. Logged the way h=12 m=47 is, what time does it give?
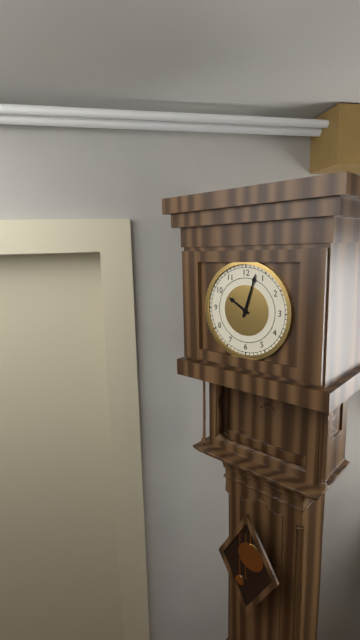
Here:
h=10 m=3
